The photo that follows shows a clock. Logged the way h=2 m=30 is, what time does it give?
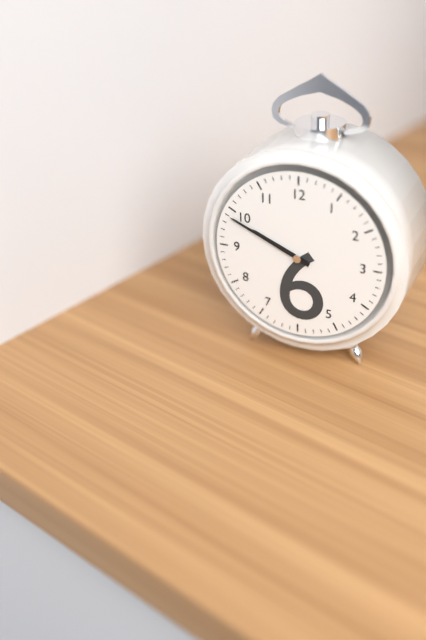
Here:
h=9 m=49
